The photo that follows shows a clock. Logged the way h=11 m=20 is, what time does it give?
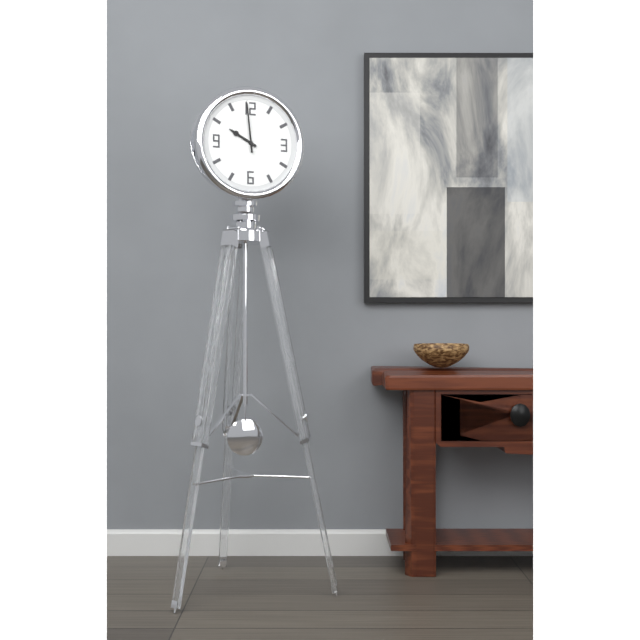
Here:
h=9 m=59
